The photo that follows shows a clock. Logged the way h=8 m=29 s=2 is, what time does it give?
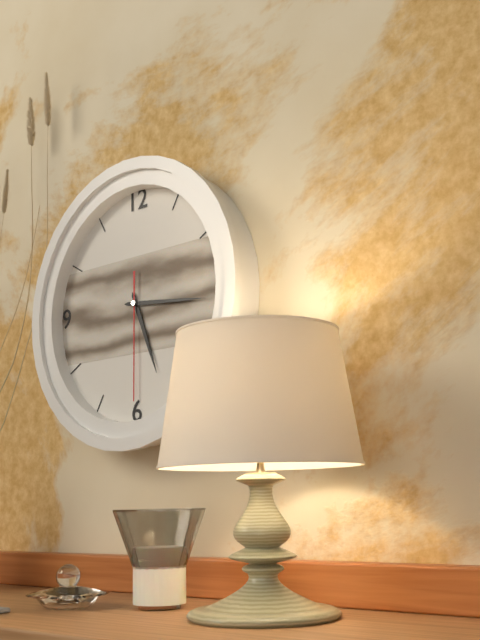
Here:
h=5 m=16 s=30
